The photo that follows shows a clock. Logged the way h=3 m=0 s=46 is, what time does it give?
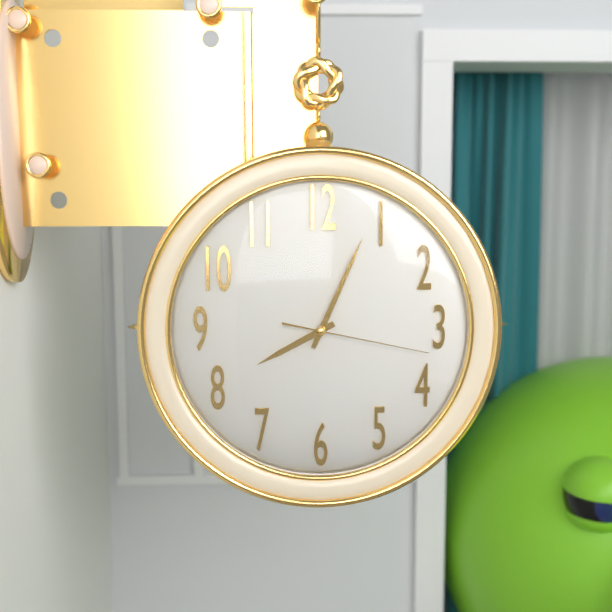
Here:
h=8 m=4 s=17
